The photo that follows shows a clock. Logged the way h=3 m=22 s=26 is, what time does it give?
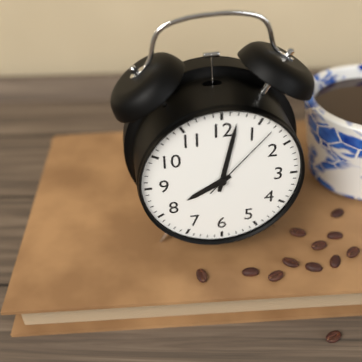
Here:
h=8 m=2 s=7
